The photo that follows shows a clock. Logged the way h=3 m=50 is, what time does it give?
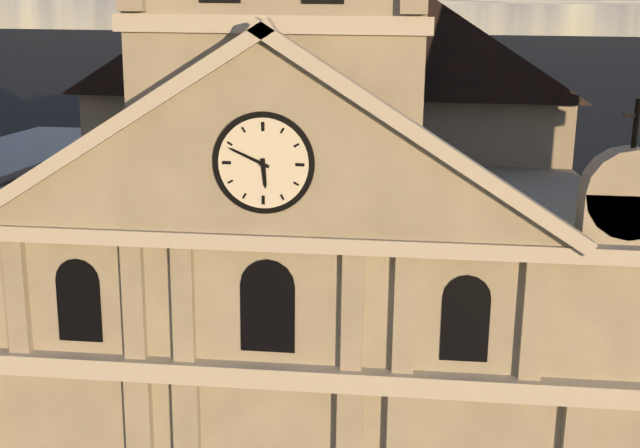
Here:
h=5 m=49
